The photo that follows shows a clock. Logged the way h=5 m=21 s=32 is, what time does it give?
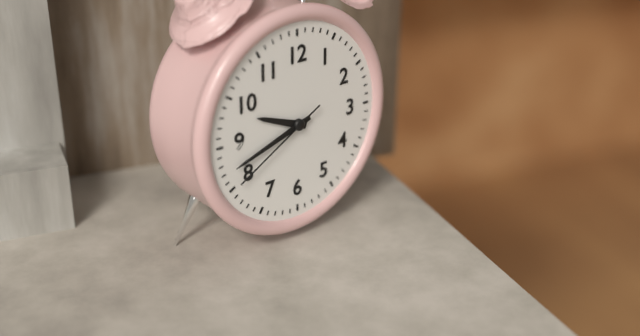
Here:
h=9 m=42 s=40
